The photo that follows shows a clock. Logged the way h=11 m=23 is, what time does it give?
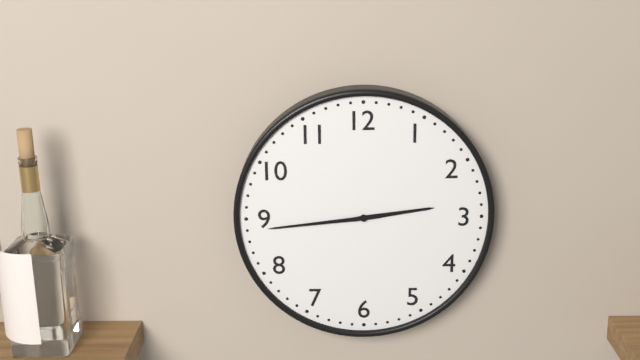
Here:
h=2 m=44
